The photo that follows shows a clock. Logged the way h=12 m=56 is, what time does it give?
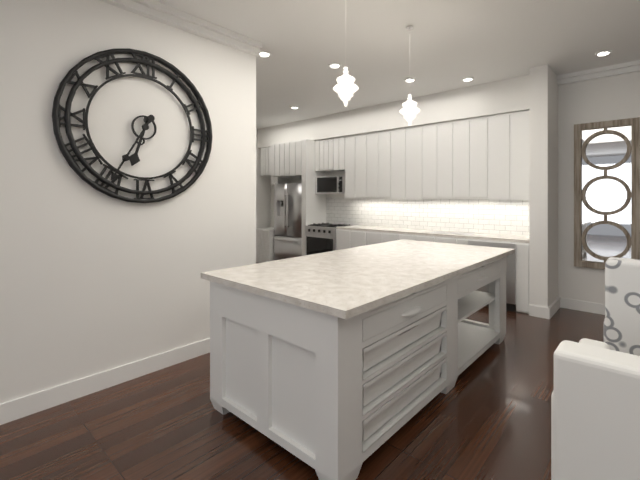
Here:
h=6 m=35
